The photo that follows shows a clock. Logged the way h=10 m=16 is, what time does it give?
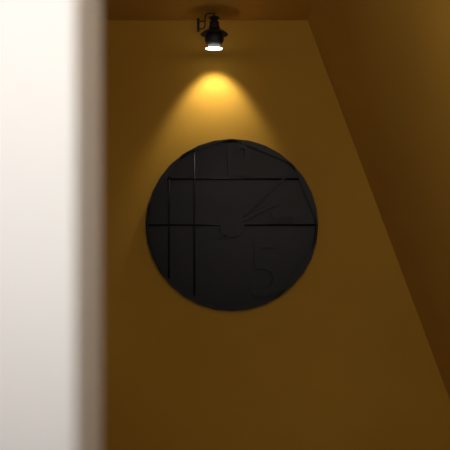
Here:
h=2 m=8
